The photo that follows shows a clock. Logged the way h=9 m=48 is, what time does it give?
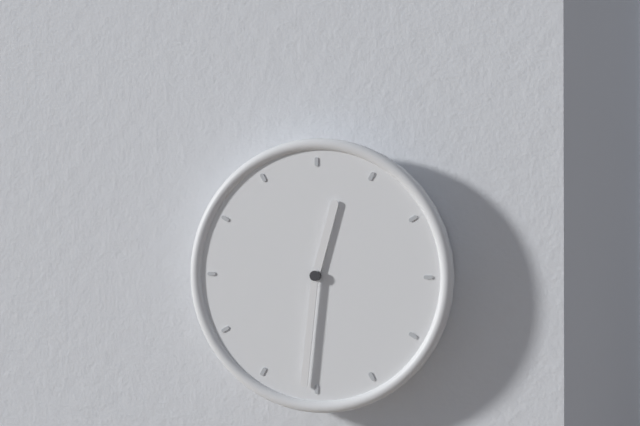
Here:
h=12 m=31
